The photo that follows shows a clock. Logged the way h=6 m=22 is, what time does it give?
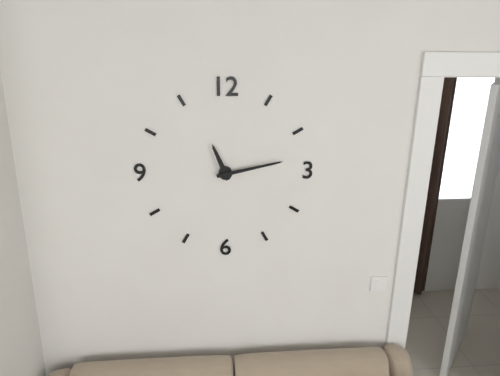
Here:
h=11 m=13
